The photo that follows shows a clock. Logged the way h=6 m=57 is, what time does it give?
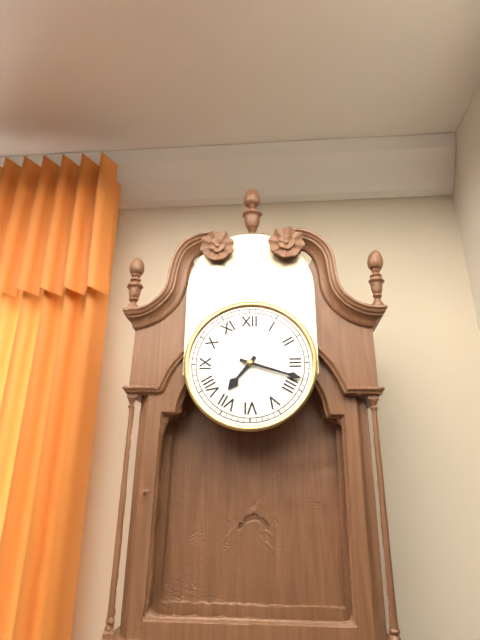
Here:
h=7 m=18
